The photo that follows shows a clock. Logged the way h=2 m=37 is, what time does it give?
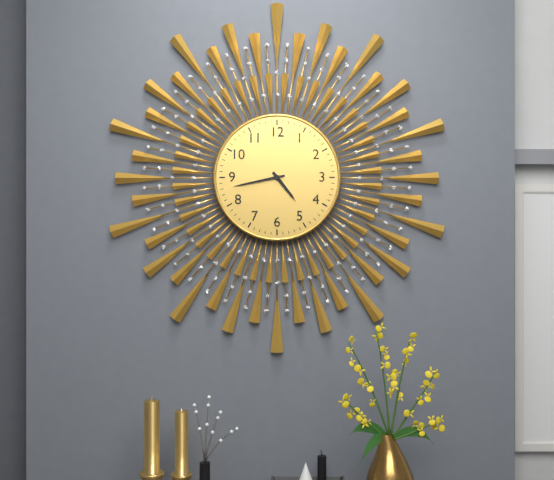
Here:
h=4 m=43
